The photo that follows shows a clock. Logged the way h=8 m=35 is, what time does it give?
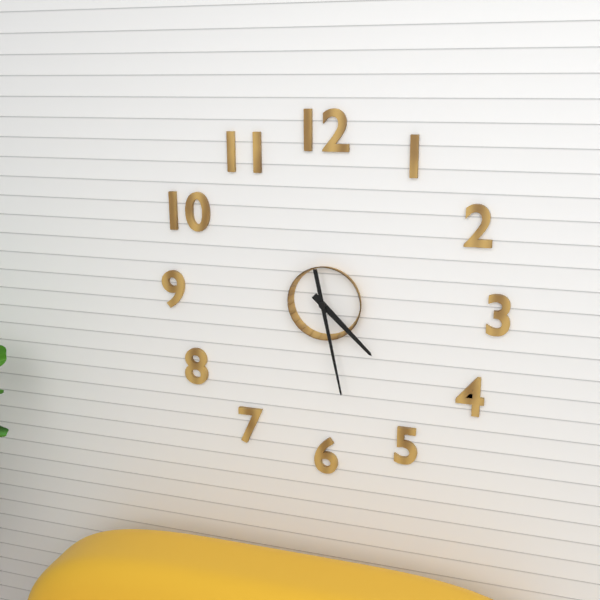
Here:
h=4 m=28
